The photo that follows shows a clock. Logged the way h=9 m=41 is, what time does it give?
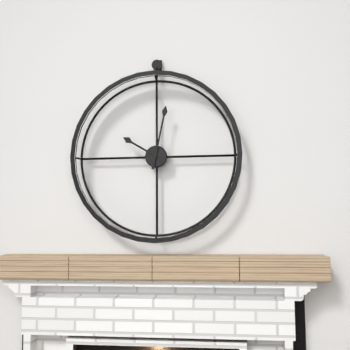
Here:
h=10 m=2
